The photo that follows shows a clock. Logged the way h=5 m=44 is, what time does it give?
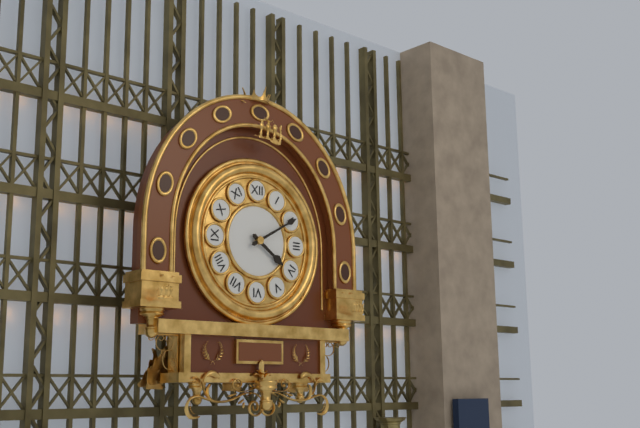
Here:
h=4 m=10
